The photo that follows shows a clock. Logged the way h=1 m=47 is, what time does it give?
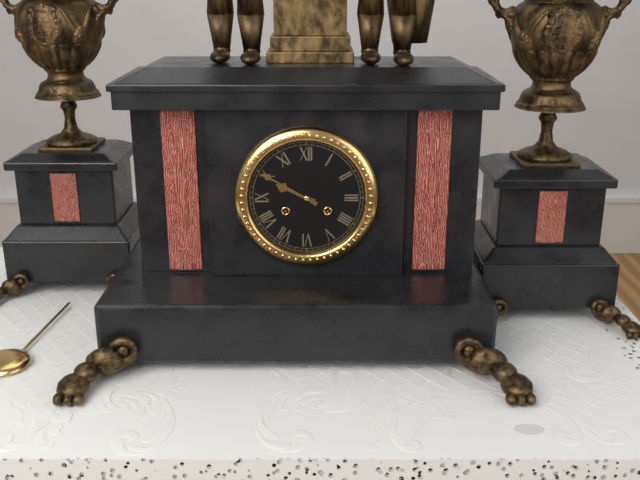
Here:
h=9 m=50
